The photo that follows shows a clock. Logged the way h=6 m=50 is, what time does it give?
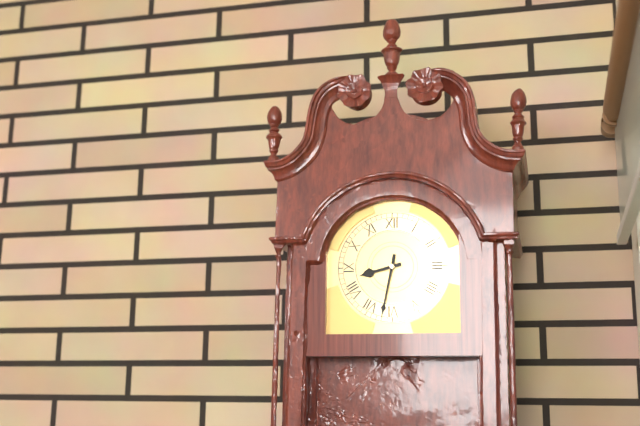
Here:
h=8 m=32
